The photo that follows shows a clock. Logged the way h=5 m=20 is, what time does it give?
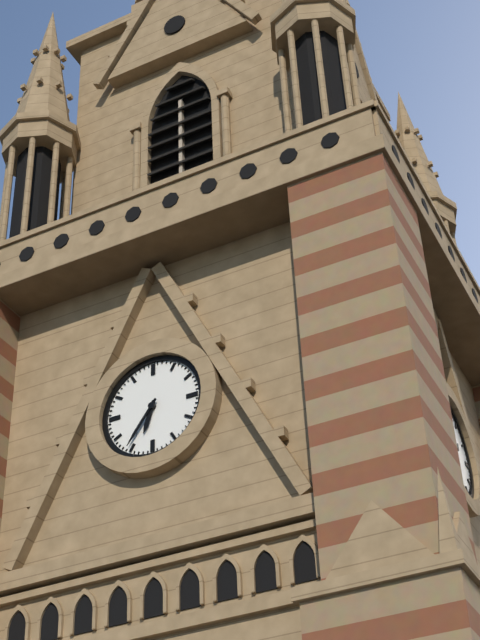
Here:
h=6 m=36
